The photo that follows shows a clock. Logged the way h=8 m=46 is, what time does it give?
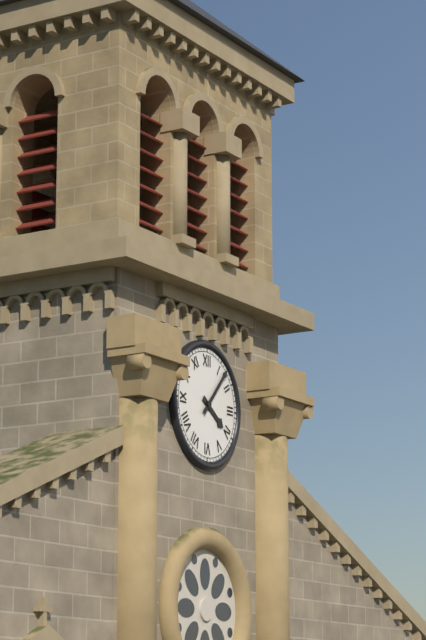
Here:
h=4 m=7
